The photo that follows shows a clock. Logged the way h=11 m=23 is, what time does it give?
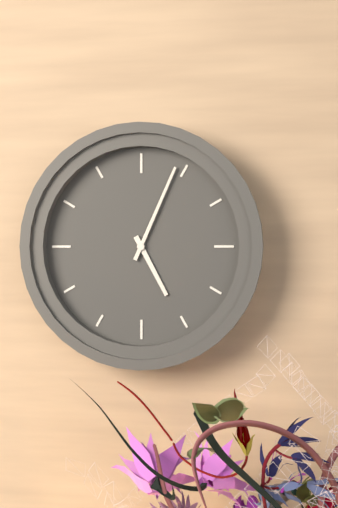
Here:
h=5 m=4
